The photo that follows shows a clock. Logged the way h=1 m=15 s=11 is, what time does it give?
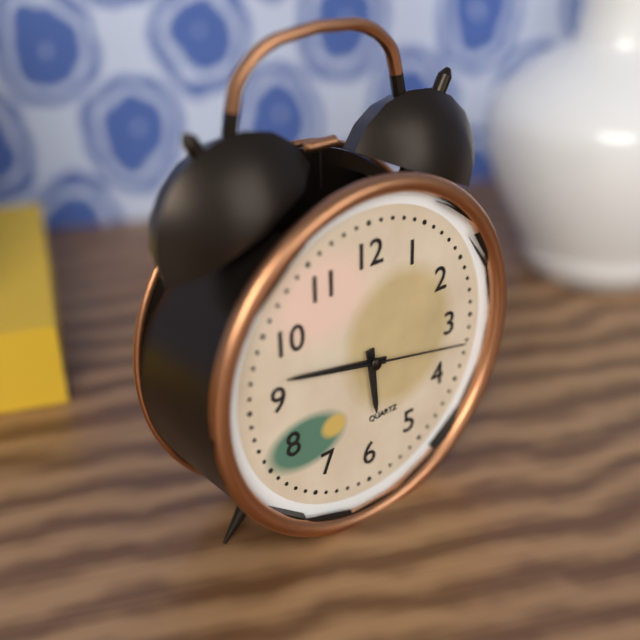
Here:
h=5 m=47 s=17
